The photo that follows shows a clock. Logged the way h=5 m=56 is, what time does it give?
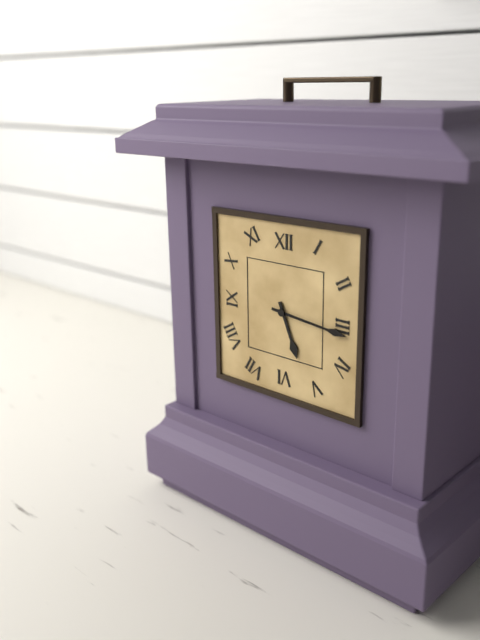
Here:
h=5 m=16
